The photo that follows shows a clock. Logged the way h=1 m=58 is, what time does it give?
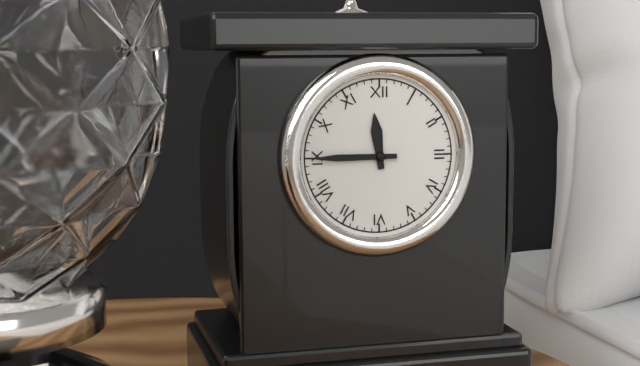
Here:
h=11 m=45
